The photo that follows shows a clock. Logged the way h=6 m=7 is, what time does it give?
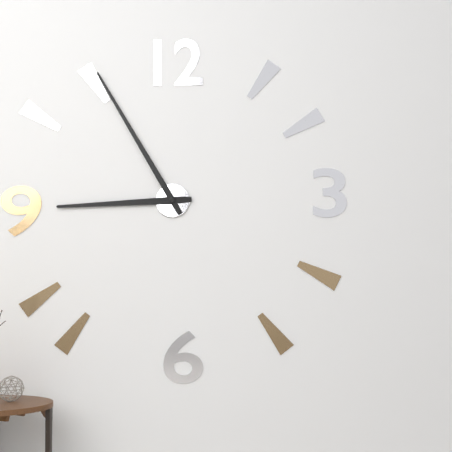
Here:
h=8 m=55
